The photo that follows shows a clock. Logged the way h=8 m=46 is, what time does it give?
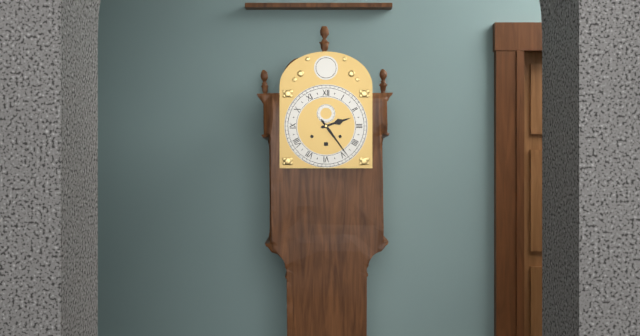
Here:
h=2 m=24
